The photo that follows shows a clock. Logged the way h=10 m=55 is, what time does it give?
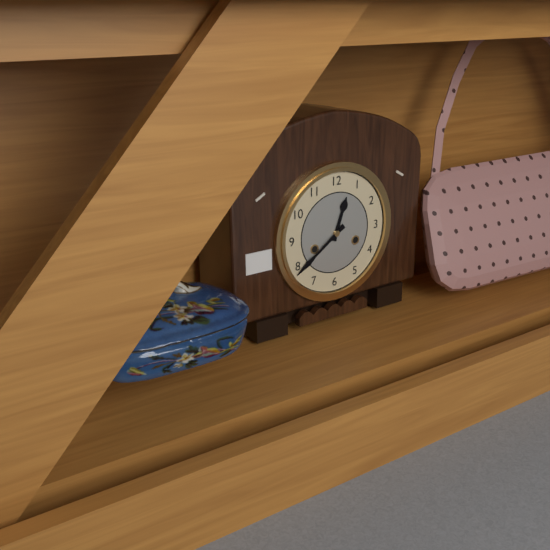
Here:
h=12 m=39
